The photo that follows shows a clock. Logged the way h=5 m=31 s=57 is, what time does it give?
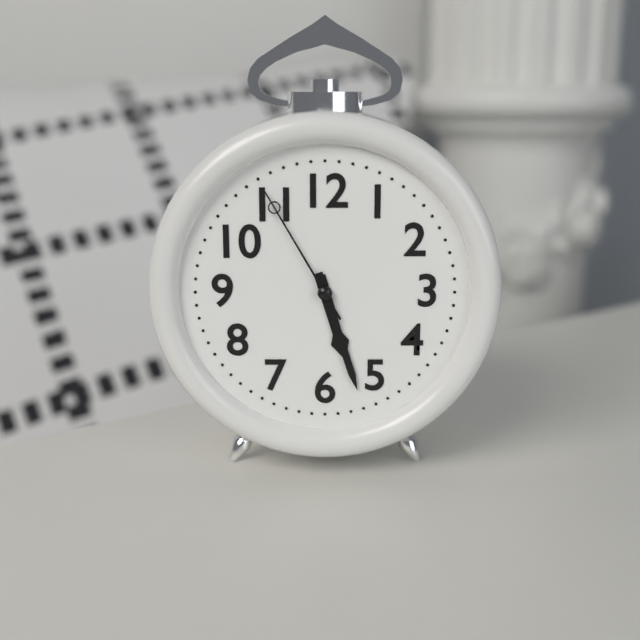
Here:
h=5 m=27 s=55
